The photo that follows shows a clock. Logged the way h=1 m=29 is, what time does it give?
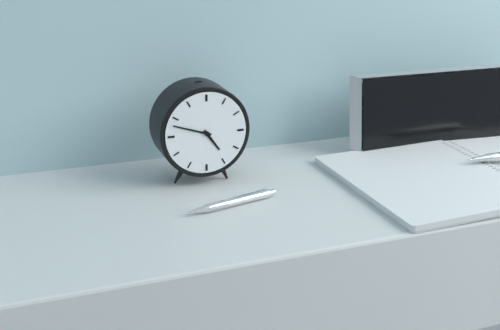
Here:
h=4 m=48
